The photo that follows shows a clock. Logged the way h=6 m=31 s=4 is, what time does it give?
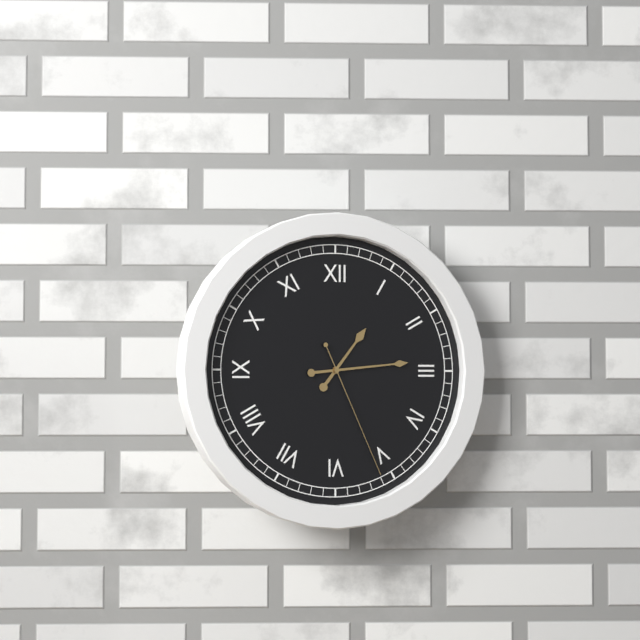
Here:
h=1 m=14 s=26
